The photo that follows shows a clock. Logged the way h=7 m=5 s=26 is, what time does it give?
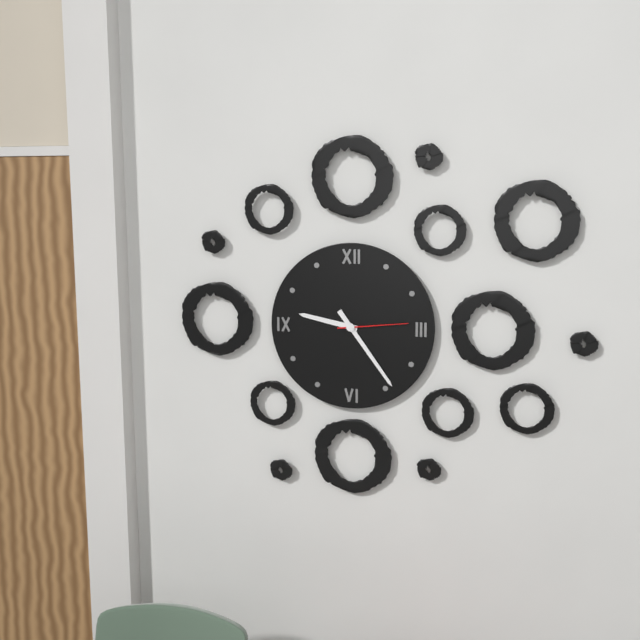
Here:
h=9 m=24 s=14
